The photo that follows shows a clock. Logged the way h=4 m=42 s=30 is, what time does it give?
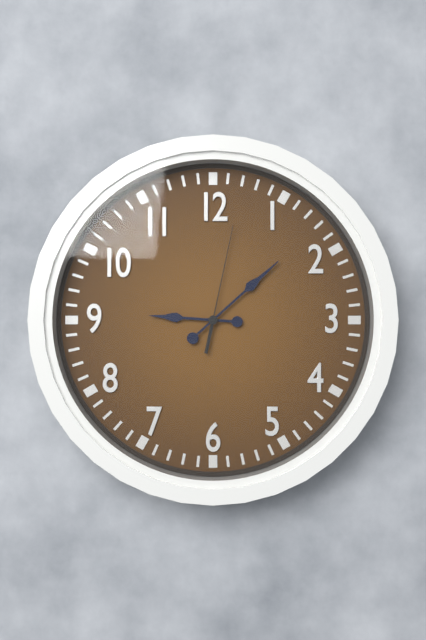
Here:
h=9 m=8 s=2
